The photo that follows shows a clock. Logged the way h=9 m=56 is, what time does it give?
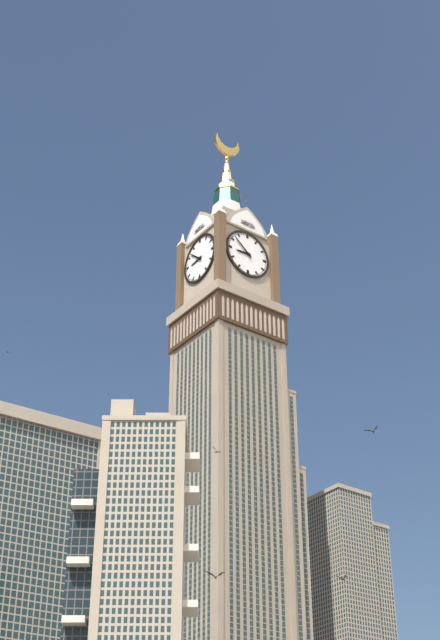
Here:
h=8 m=52
